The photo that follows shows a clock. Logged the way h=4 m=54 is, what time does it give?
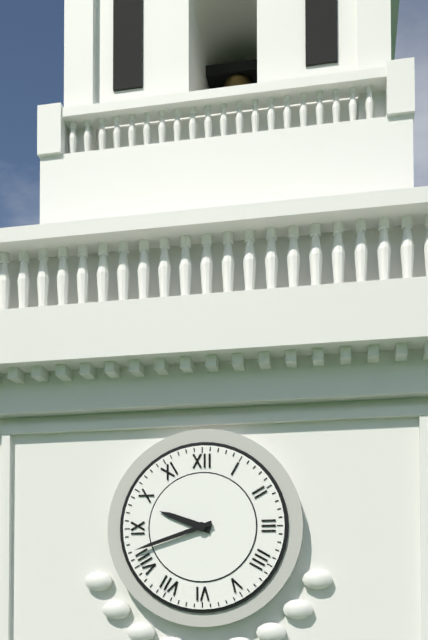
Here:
h=9 m=42
